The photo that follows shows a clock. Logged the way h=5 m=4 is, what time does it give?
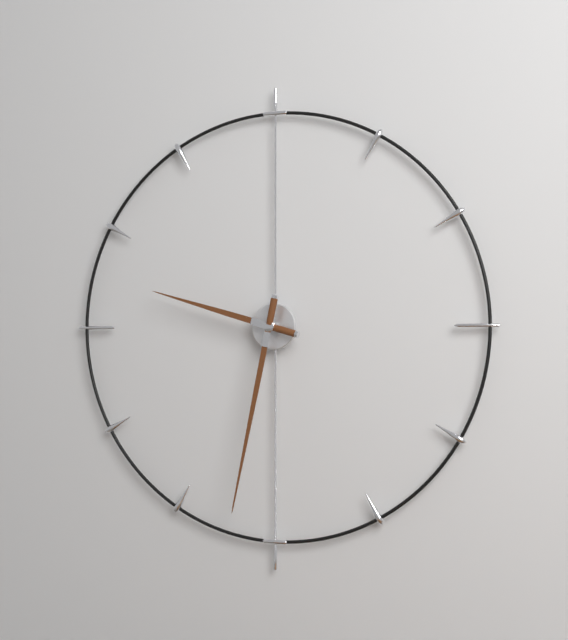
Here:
h=9 m=32
